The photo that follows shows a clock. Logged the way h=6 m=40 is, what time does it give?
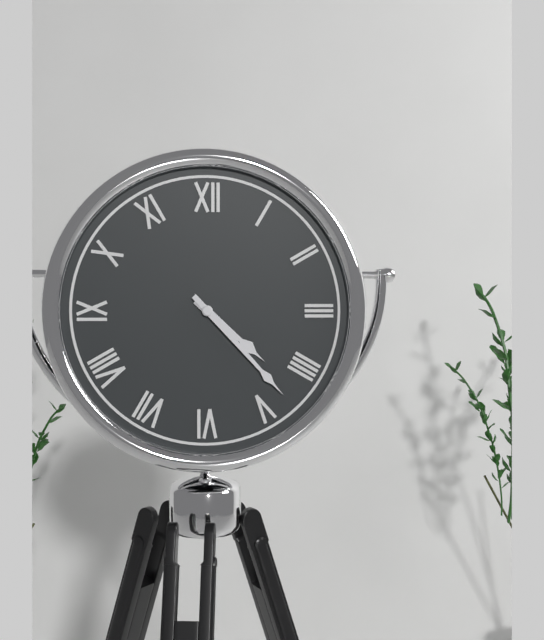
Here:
h=4 m=23
